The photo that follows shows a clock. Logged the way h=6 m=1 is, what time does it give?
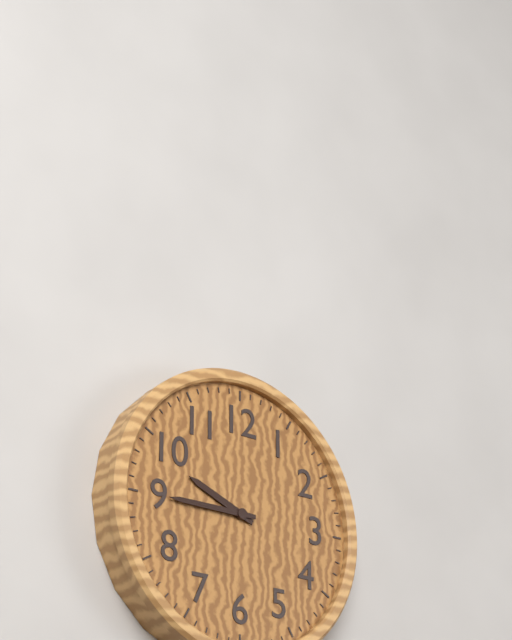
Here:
h=9 m=45
